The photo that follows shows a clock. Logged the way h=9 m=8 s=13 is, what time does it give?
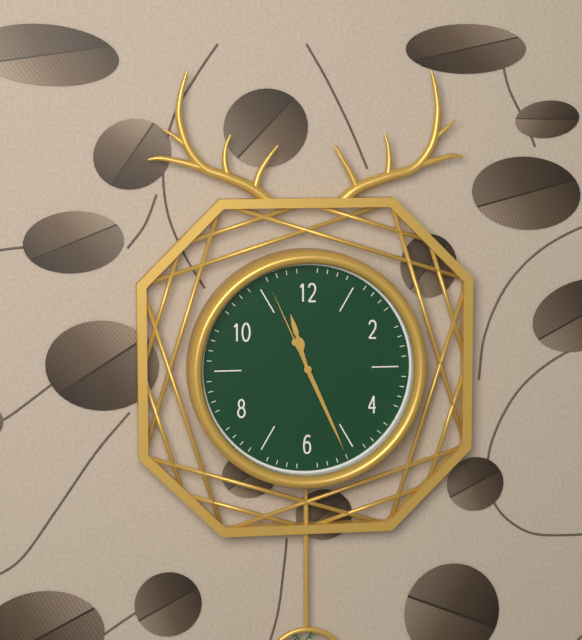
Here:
h=11 m=26 s=56
